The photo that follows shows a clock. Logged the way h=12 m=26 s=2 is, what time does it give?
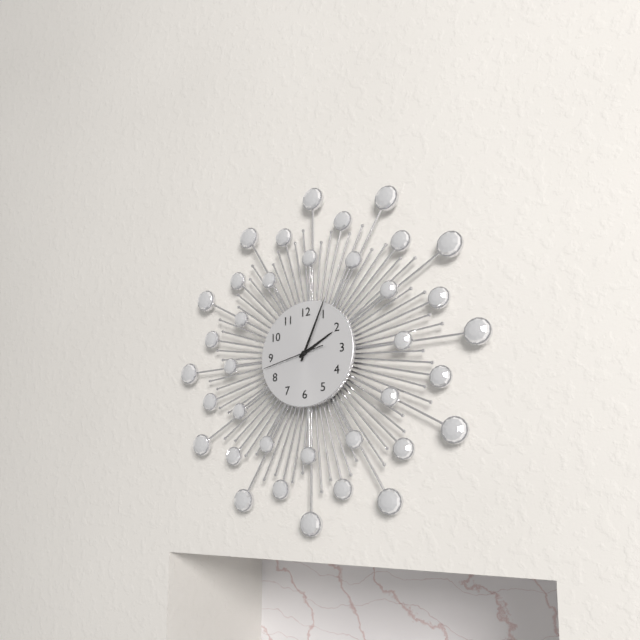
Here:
h=2 m=4 s=43
